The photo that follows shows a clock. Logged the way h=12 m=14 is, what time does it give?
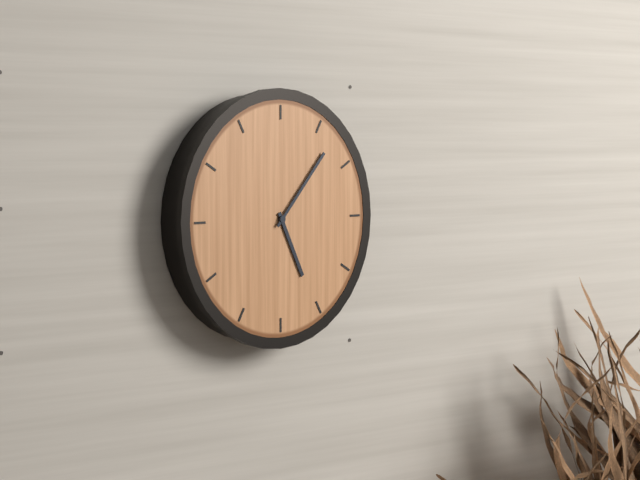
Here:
h=5 m=7
